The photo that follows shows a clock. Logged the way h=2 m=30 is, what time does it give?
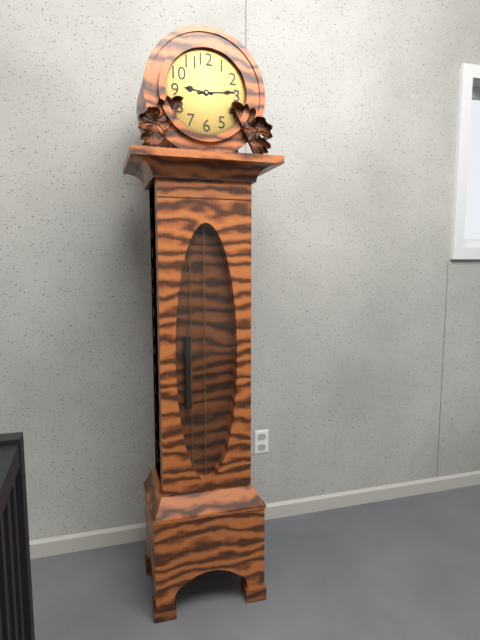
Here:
h=9 m=14
